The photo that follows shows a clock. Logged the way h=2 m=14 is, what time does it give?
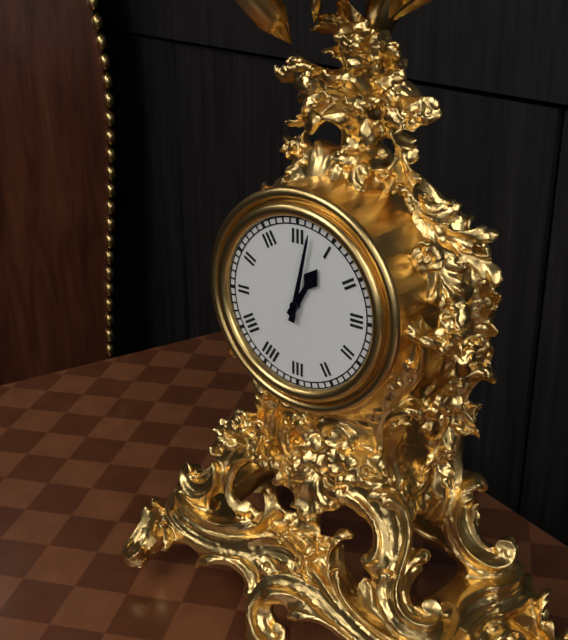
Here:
h=1 m=2
